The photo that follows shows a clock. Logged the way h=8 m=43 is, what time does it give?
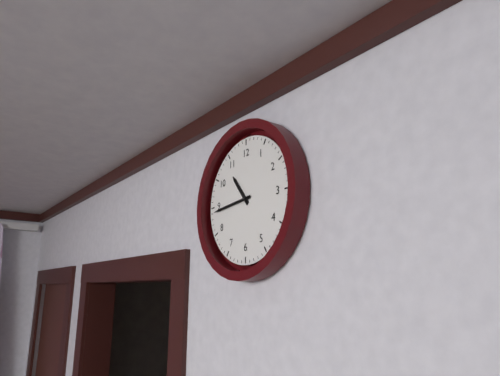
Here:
h=10 m=44
